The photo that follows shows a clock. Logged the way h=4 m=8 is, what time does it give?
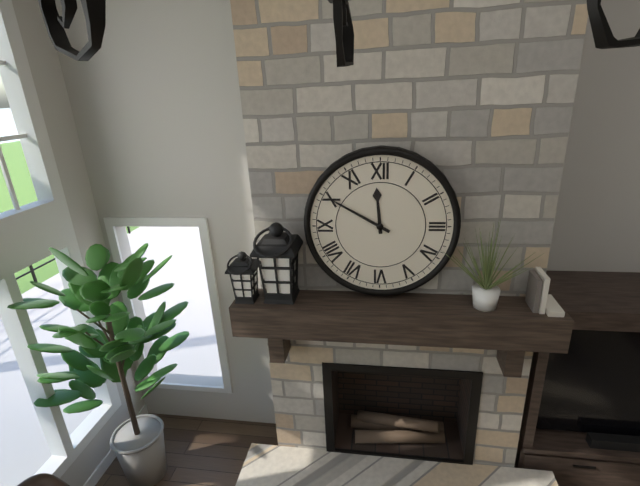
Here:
h=11 m=50
